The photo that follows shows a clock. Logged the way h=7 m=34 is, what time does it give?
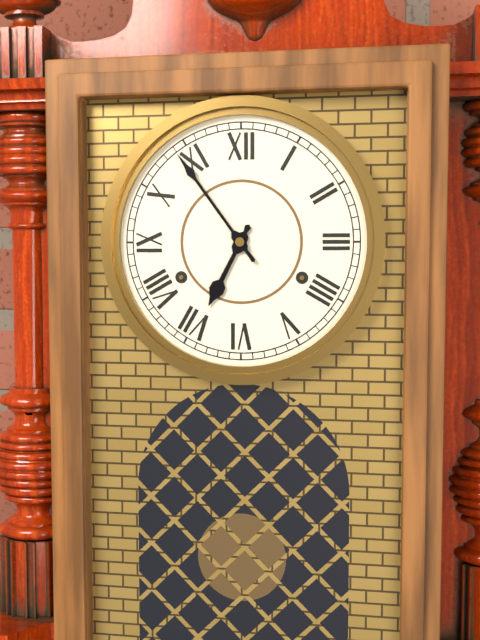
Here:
h=6 m=54
